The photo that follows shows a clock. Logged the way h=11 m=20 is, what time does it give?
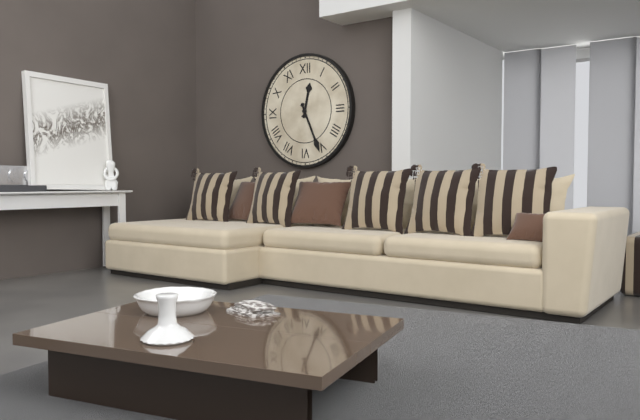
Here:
h=12 m=26
